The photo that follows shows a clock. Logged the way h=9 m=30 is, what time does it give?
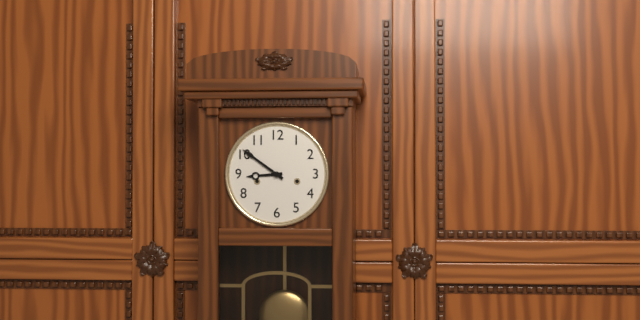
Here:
h=8 m=51
